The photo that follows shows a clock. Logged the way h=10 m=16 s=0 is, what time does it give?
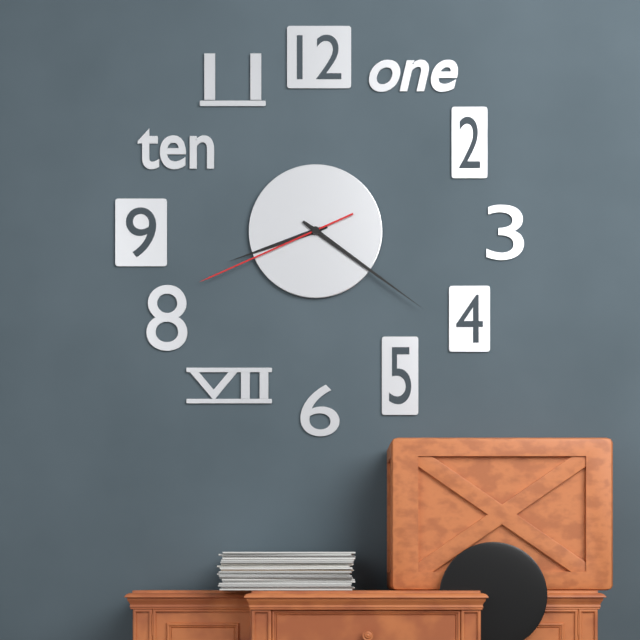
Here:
h=8 m=21 s=41
